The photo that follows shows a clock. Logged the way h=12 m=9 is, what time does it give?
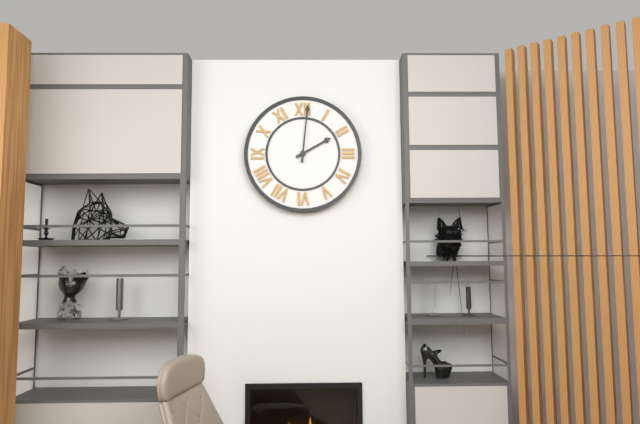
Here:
h=2 m=1
